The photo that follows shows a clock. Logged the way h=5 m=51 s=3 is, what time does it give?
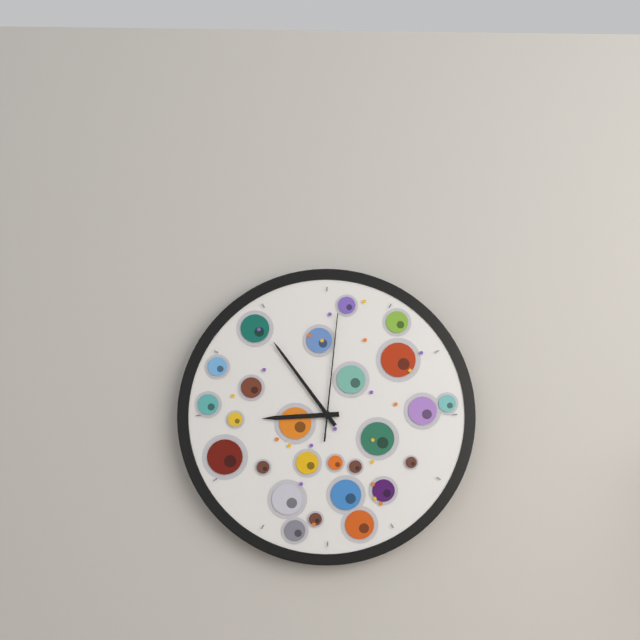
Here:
h=8 m=54 s=1
